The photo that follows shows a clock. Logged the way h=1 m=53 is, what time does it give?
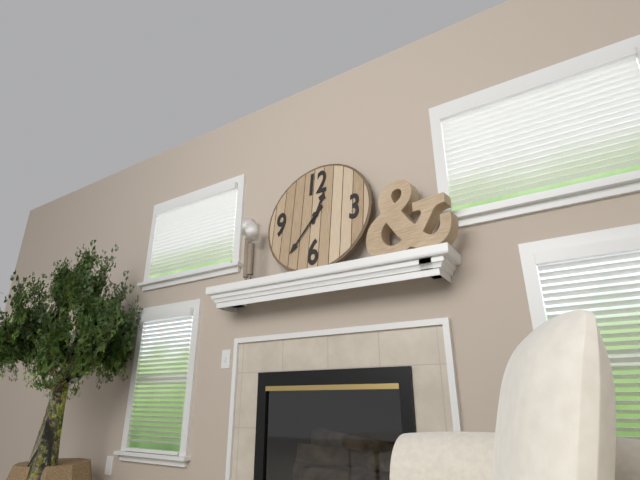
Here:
h=12 m=36
